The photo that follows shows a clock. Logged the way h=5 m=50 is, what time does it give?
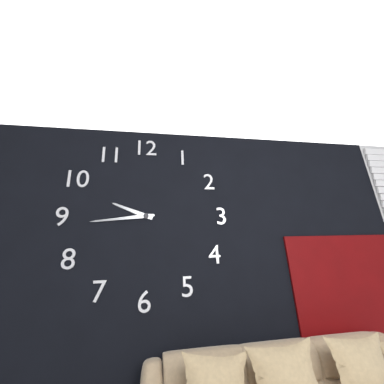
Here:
h=9 m=44
